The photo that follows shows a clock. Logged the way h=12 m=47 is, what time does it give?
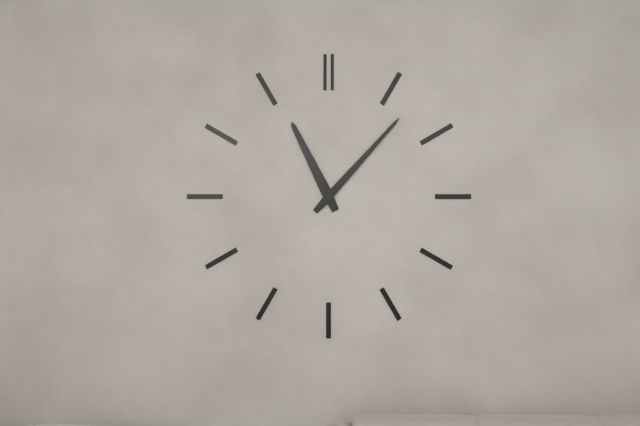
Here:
h=11 m=7
